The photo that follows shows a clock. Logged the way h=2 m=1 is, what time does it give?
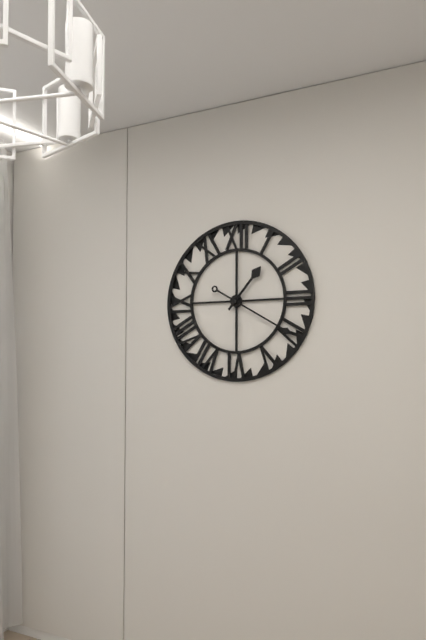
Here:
h=1 m=20
